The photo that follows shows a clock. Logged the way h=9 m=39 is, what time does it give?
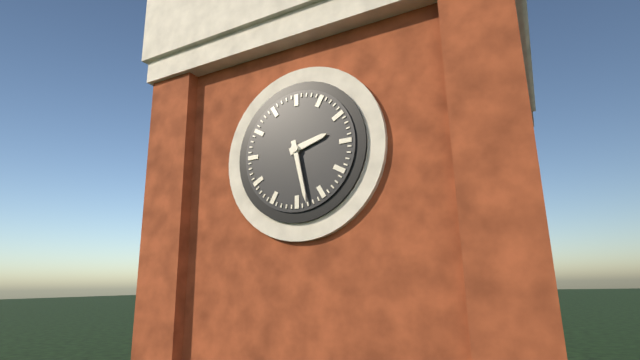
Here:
h=2 m=28
